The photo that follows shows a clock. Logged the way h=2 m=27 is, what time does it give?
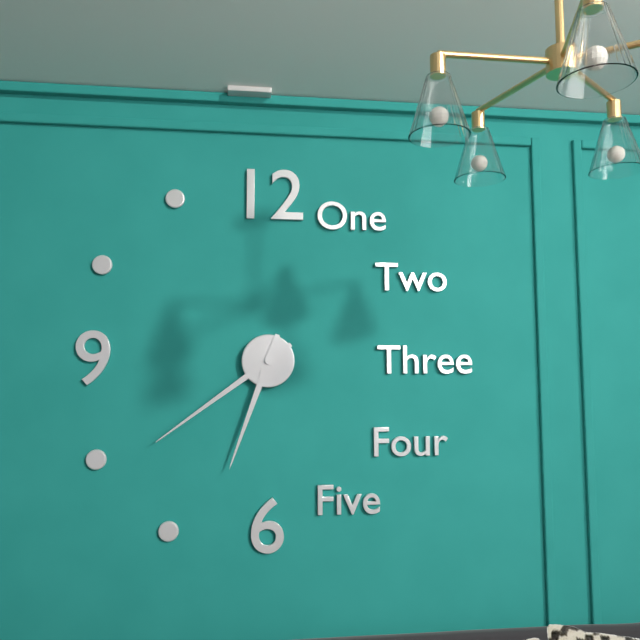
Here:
h=6 m=39
